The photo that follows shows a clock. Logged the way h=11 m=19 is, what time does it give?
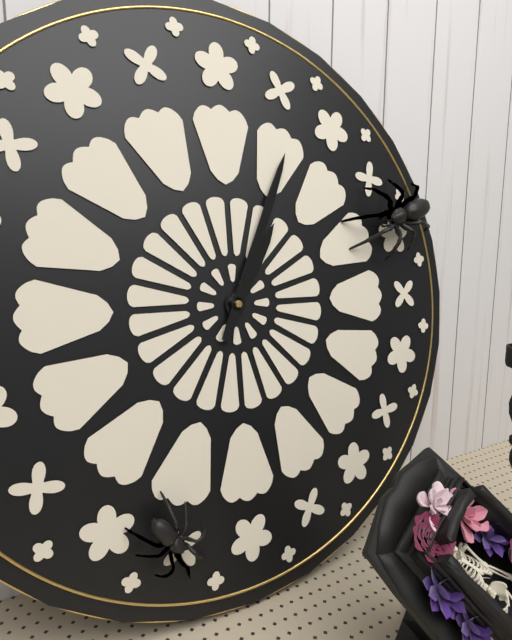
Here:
h=1 m=4
